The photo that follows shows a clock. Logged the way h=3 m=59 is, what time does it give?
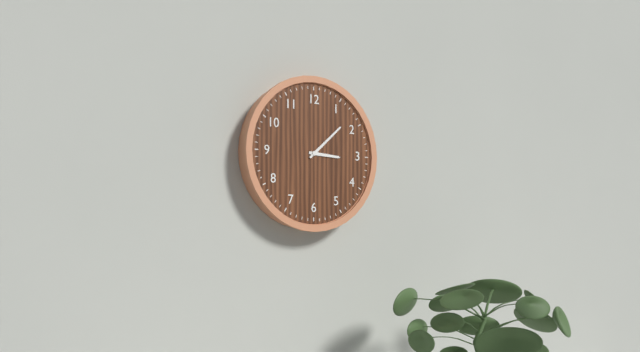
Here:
h=3 m=8
